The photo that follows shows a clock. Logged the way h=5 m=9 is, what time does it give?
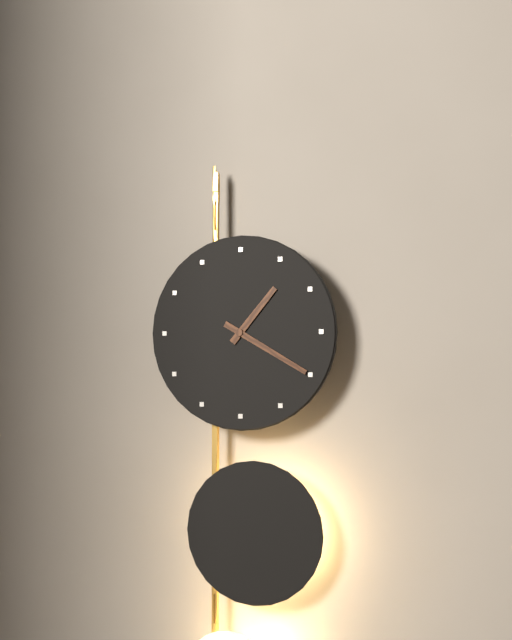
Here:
h=1 m=20
